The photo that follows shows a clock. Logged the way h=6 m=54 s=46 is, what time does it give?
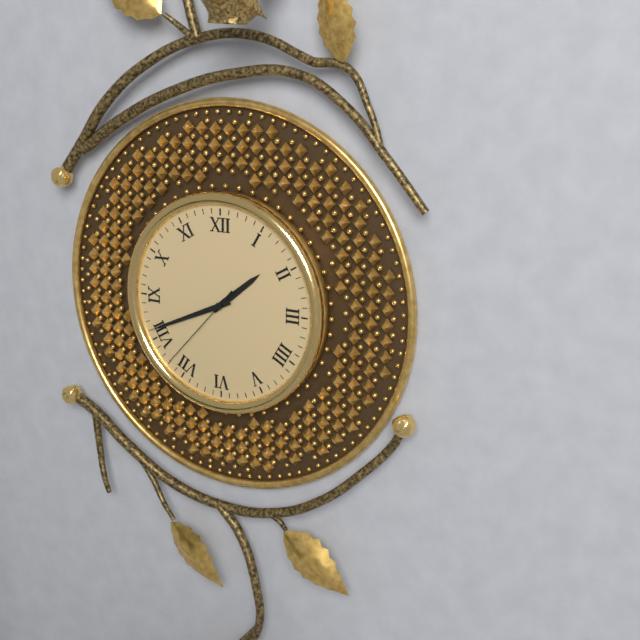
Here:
h=1 m=41 s=37
